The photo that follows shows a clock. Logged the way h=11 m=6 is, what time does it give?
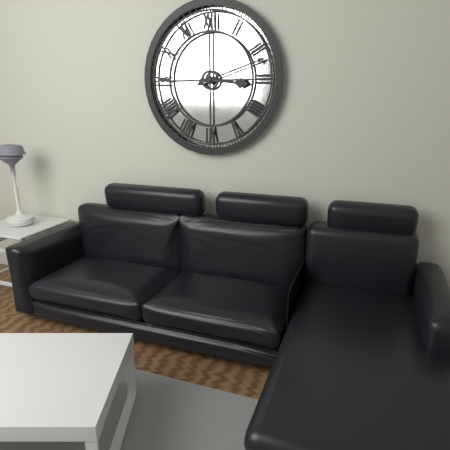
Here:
h=3 m=12
